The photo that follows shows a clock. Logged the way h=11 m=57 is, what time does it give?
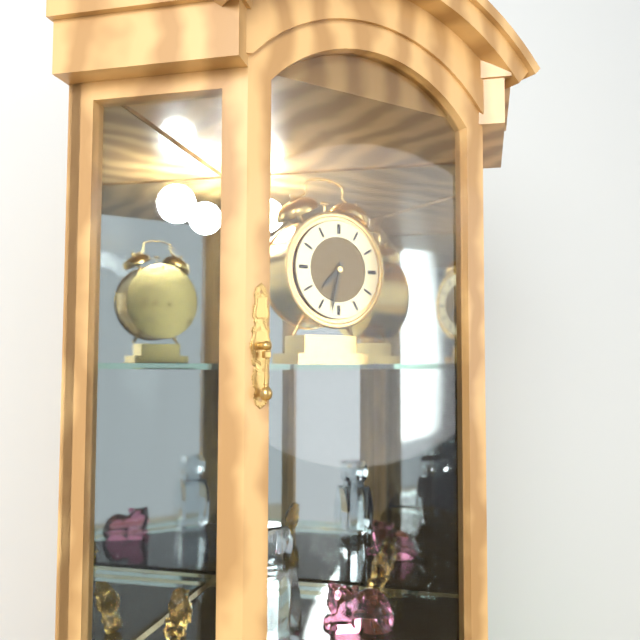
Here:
h=7 m=32
